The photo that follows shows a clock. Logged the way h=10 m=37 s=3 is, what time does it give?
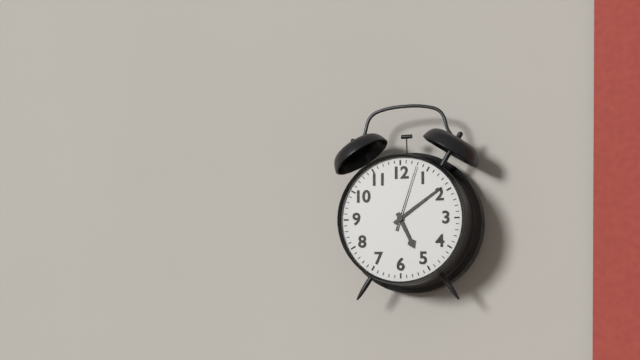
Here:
h=5 m=9 s=3
